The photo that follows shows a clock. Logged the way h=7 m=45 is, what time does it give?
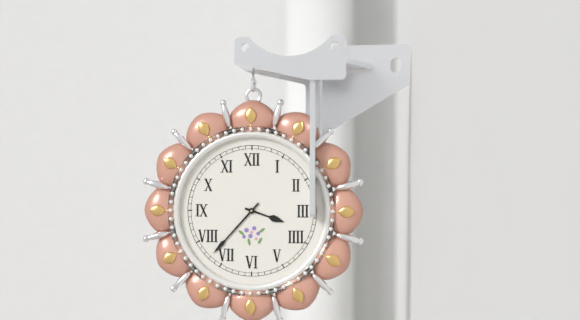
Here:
h=3 m=37
